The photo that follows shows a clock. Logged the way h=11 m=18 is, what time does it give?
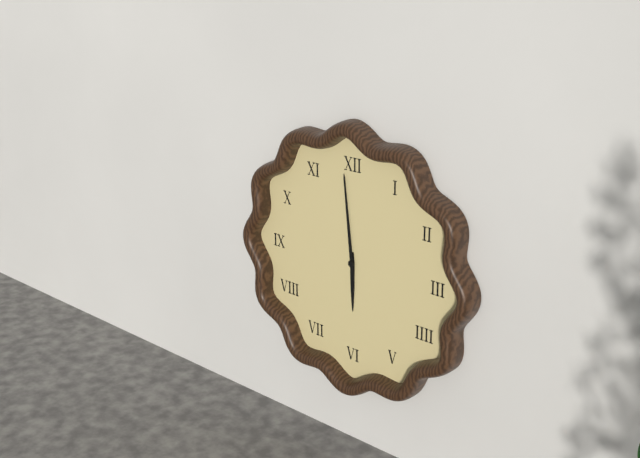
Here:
h=5 m=59
